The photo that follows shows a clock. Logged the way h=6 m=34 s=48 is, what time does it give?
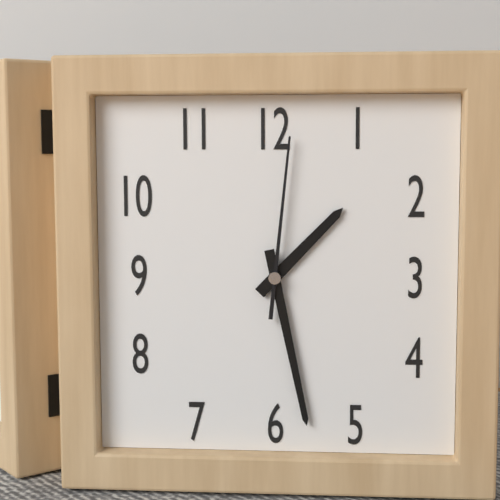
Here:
h=1 m=28 s=1
